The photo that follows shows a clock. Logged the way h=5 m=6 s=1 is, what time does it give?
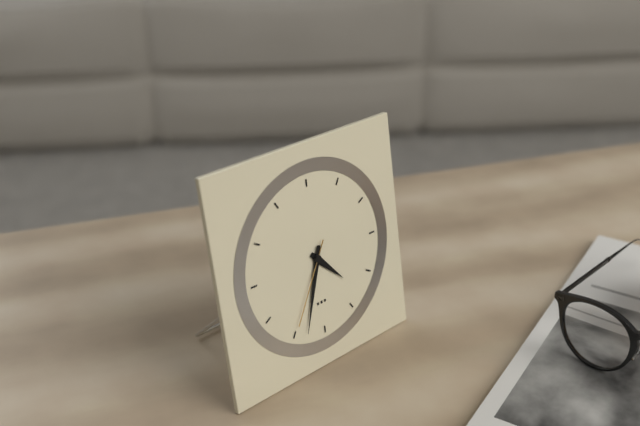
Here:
h=4 m=33 s=35
